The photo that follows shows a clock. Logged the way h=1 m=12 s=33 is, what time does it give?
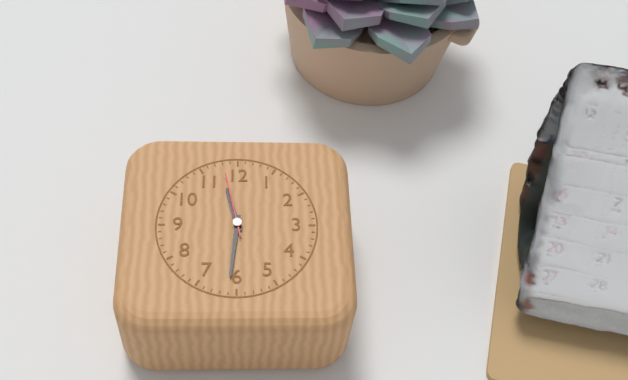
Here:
h=11 m=31 s=58
